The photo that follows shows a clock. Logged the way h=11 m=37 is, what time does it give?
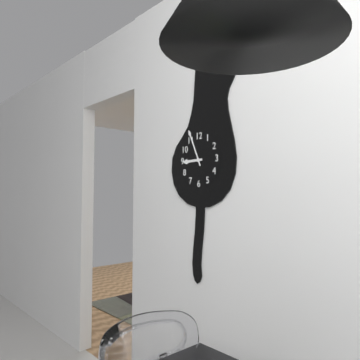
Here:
h=8 m=56
